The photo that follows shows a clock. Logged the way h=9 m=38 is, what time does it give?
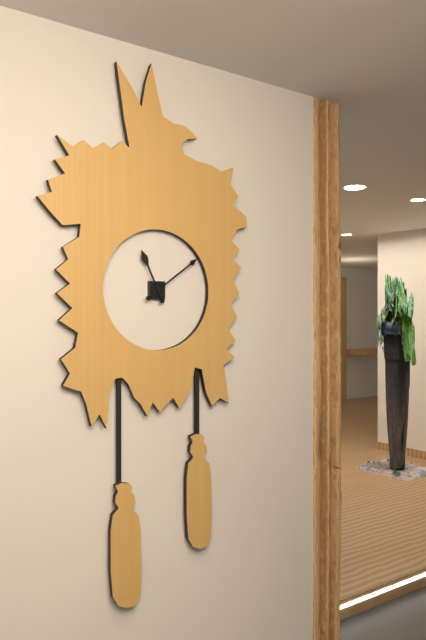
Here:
h=11 m=9
